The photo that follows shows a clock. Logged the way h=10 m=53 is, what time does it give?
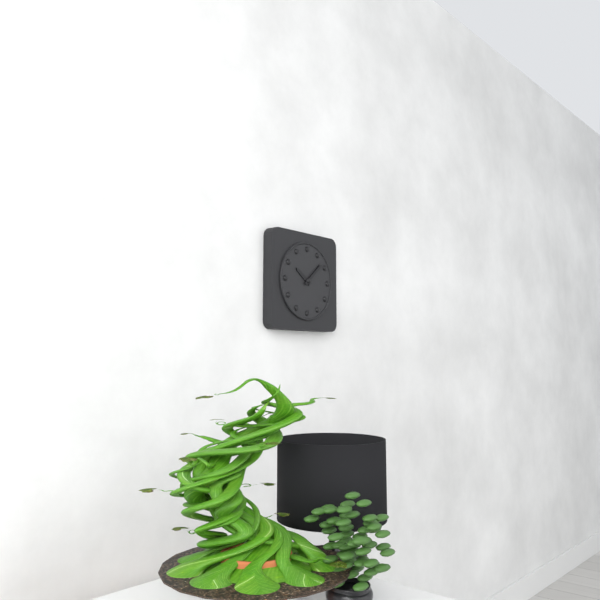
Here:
h=10 m=8
